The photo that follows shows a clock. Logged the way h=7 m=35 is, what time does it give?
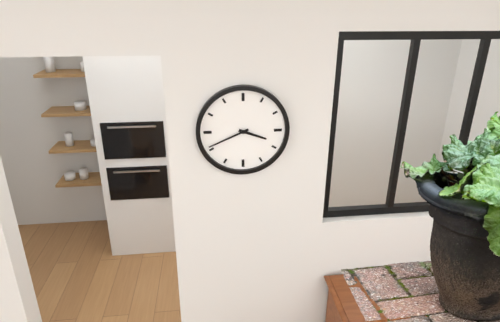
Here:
h=3 m=41
